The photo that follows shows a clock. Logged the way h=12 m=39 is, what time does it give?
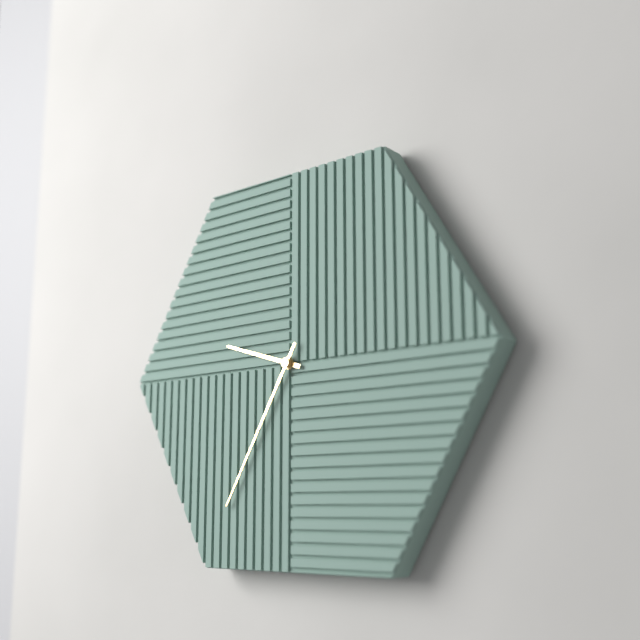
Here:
h=9 m=35
